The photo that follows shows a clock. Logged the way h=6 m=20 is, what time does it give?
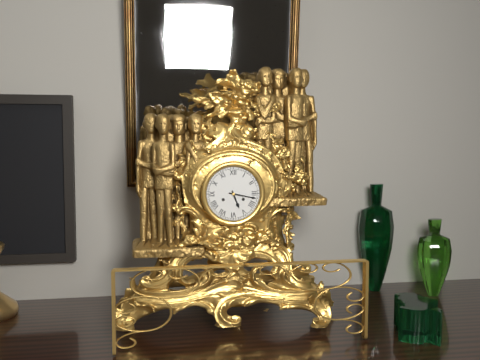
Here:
h=5 m=17
